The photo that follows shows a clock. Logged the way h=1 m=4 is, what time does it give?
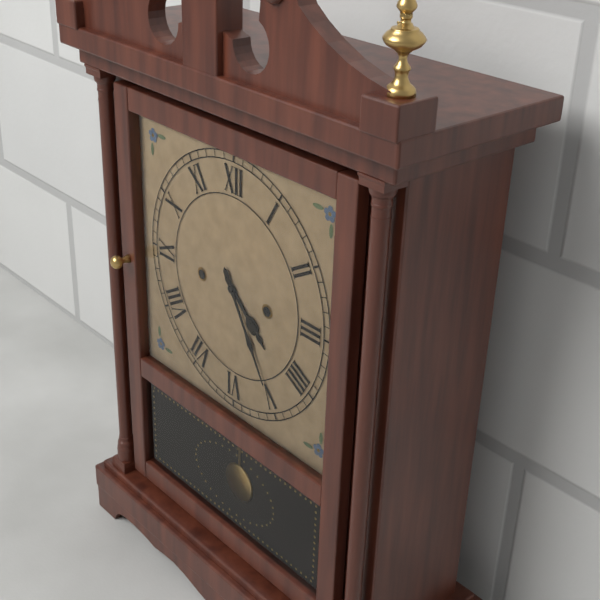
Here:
h=4 m=25
